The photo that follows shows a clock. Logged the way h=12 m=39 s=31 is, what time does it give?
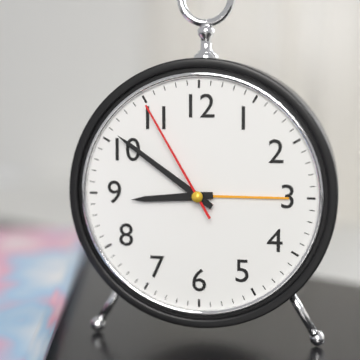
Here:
h=8 m=51 s=55
